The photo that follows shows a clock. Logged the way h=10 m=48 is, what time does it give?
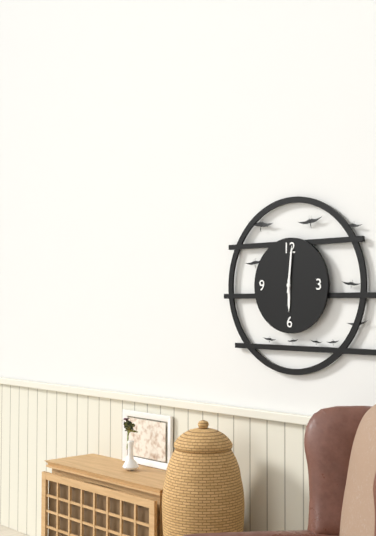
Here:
h=6 m=1
